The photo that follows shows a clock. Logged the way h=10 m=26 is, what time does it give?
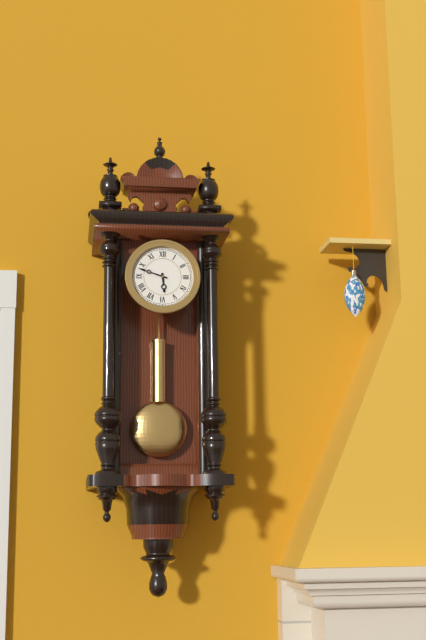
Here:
h=5 m=48
